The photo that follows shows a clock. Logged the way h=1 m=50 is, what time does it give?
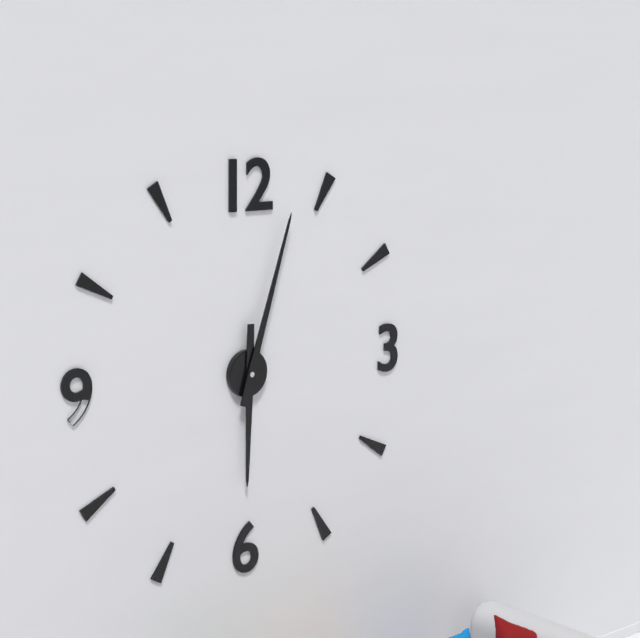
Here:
h=6 m=3
